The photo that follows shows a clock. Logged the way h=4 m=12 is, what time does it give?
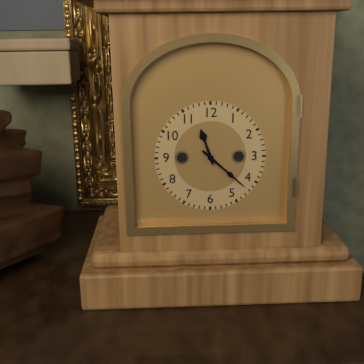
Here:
h=11 m=22
